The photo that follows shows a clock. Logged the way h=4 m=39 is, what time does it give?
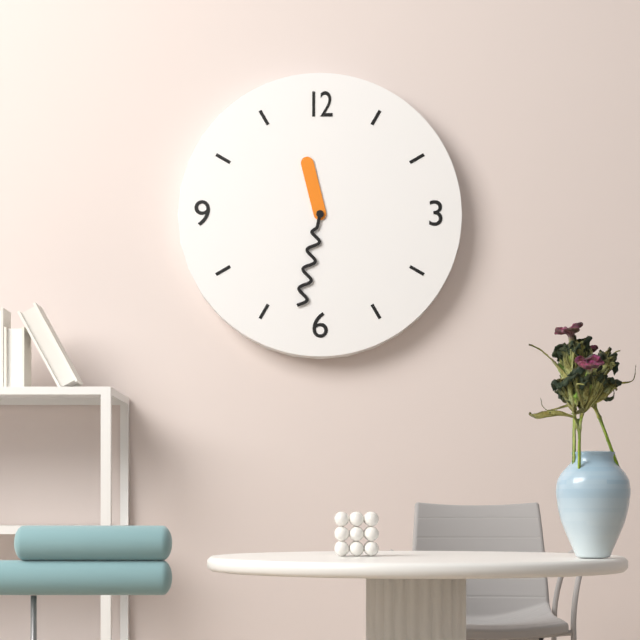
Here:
h=11 m=32
